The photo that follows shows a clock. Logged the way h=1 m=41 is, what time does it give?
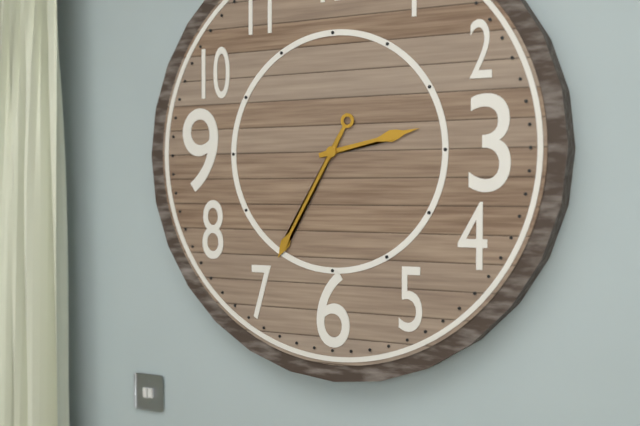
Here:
h=2 m=35
